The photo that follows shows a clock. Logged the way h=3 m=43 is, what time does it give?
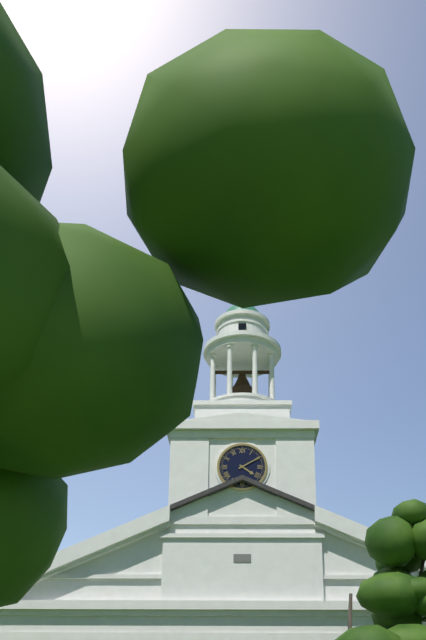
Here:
h=4 m=10
